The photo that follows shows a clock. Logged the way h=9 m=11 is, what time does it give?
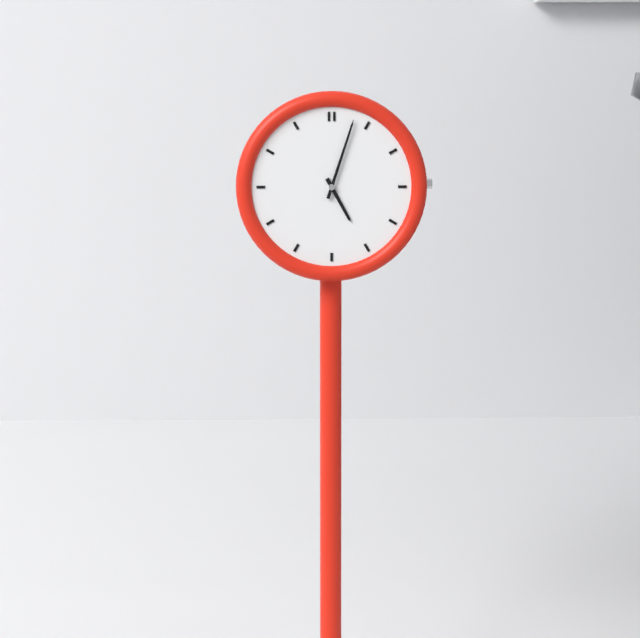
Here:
h=5 m=3
